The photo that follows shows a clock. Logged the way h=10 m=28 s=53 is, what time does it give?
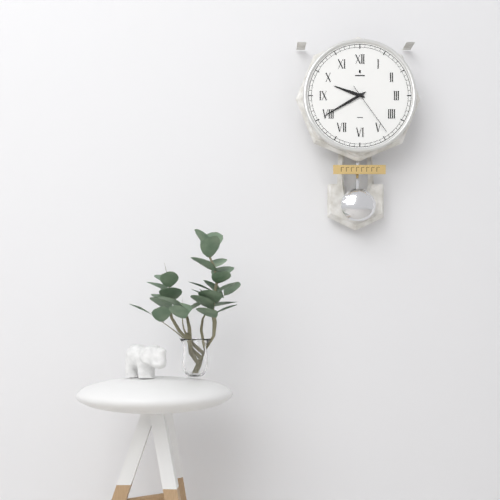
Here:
h=9 m=40 s=24
